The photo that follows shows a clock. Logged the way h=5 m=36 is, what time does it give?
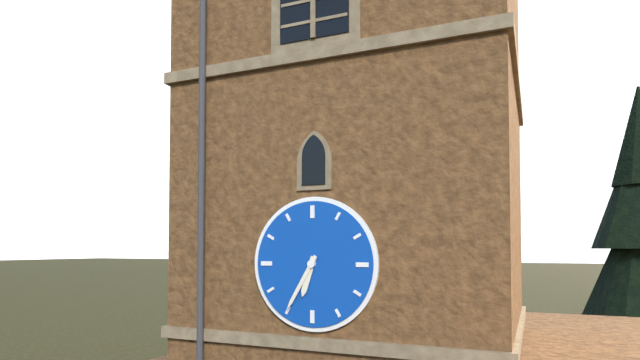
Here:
h=6 m=35
